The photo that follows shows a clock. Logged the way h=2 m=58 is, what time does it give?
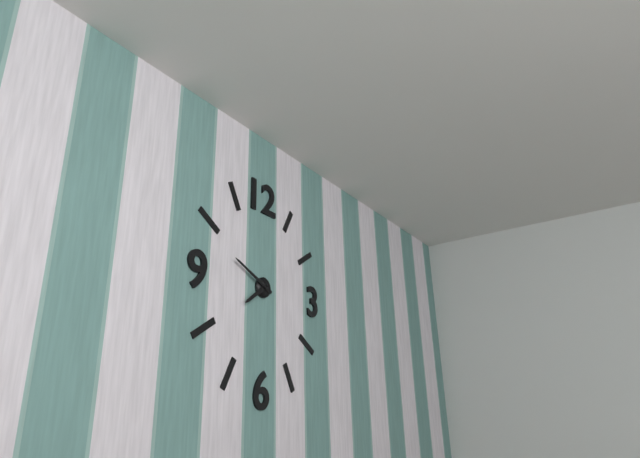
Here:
h=7 m=49
